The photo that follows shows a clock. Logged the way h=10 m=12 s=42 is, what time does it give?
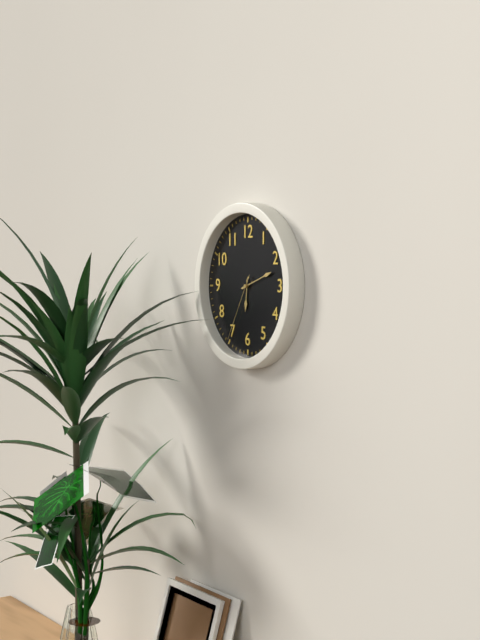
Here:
h=6 m=12 s=35
